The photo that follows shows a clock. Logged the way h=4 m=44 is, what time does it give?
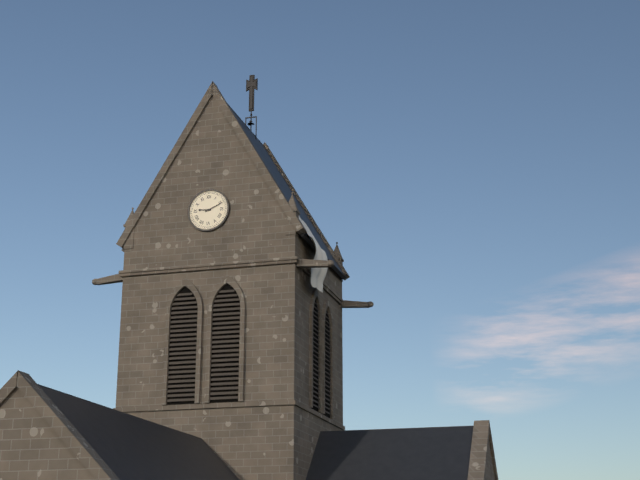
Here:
h=9 m=11
